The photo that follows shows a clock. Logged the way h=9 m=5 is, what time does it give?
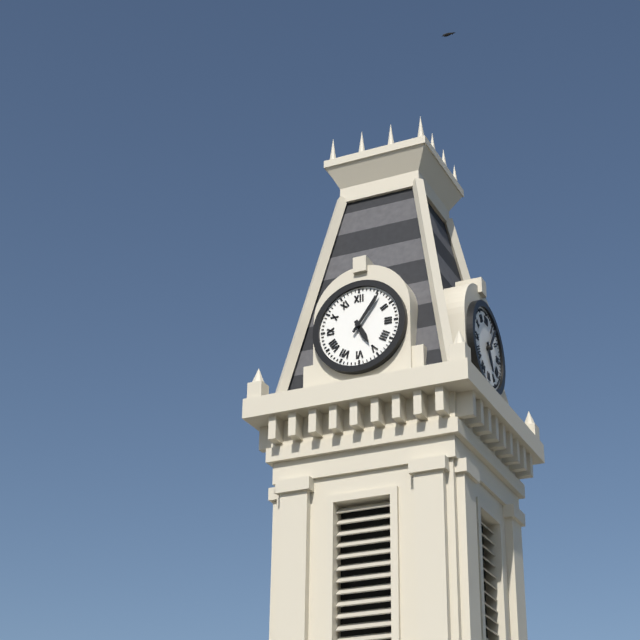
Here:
h=5 m=6
